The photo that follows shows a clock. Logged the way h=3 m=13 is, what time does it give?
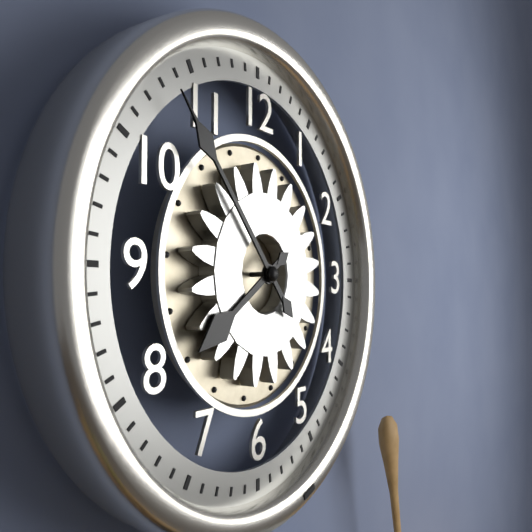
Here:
h=7 m=53
